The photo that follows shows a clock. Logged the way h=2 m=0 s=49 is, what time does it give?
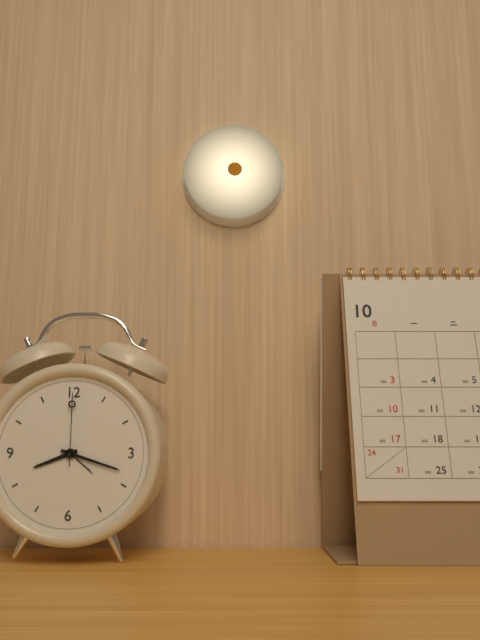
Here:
h=8 m=18 s=0
